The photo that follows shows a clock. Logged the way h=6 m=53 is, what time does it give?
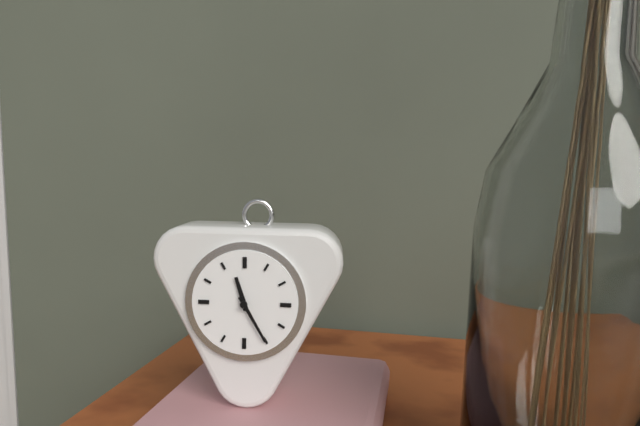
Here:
h=11 m=25
